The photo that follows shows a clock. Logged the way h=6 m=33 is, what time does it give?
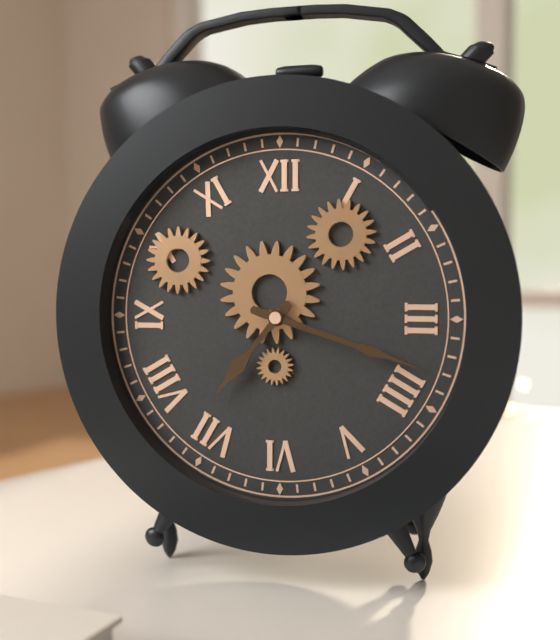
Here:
h=7 m=18
